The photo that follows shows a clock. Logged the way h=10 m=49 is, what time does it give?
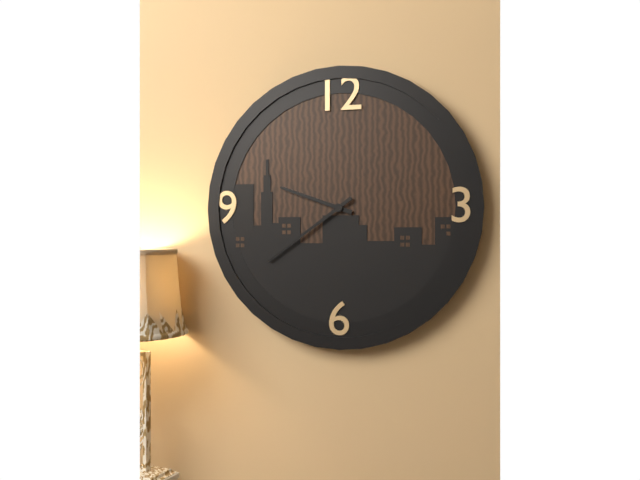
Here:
h=9 m=39
